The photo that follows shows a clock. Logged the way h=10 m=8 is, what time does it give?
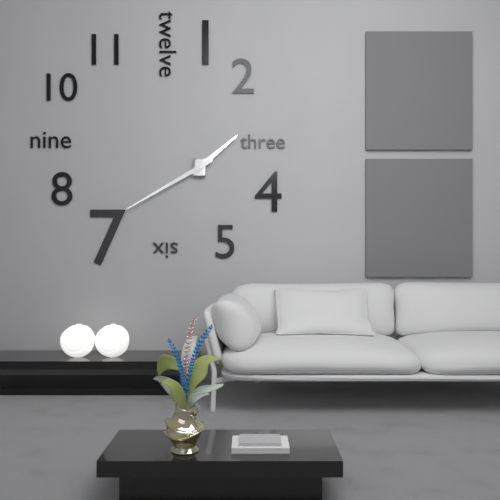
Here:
h=1 m=40
